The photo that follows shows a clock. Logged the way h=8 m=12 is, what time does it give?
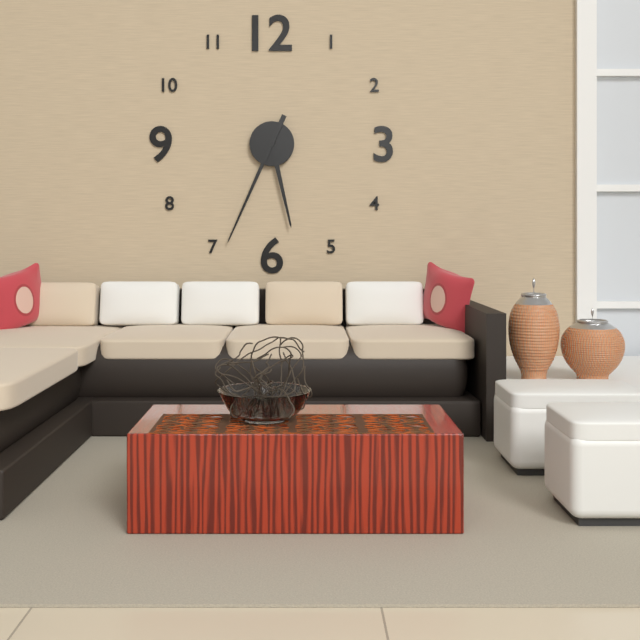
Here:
h=5 m=34
